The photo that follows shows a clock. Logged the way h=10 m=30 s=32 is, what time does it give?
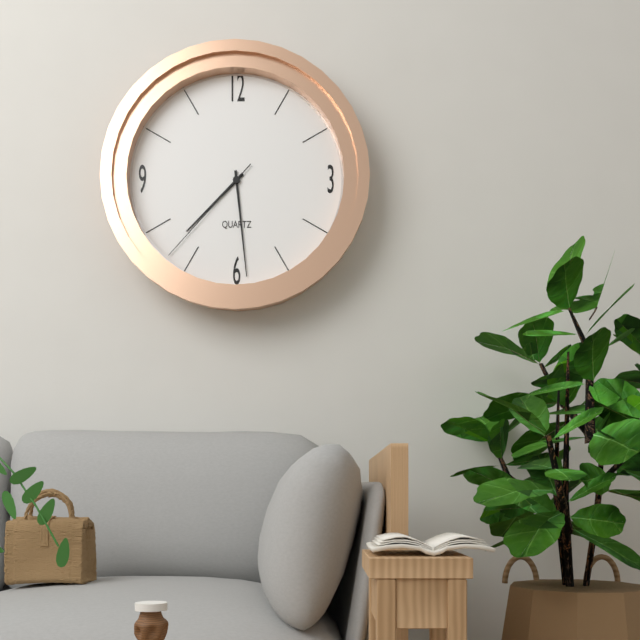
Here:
h=7 m=29 s=37
